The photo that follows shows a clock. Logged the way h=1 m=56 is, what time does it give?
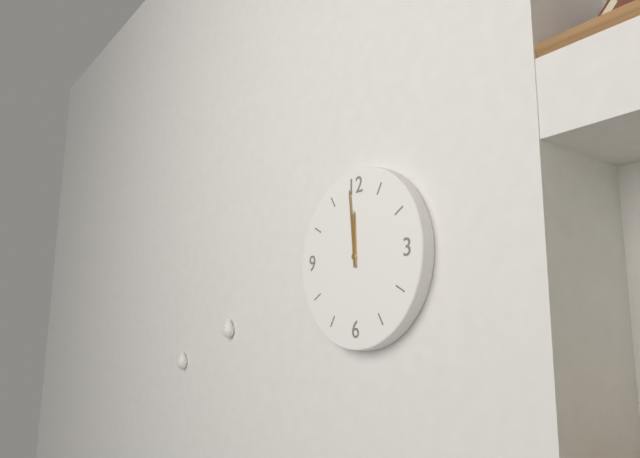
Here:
h=11 m=59
